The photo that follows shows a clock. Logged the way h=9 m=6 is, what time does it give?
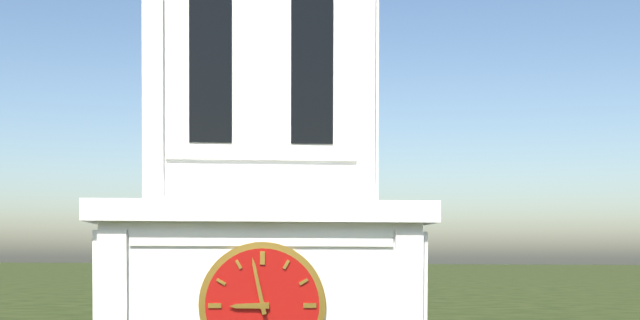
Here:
h=8 m=58
